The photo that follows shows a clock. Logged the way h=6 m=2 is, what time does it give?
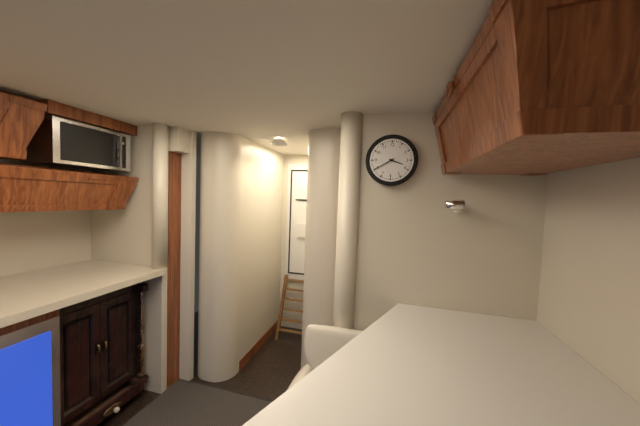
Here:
h=3 m=40
